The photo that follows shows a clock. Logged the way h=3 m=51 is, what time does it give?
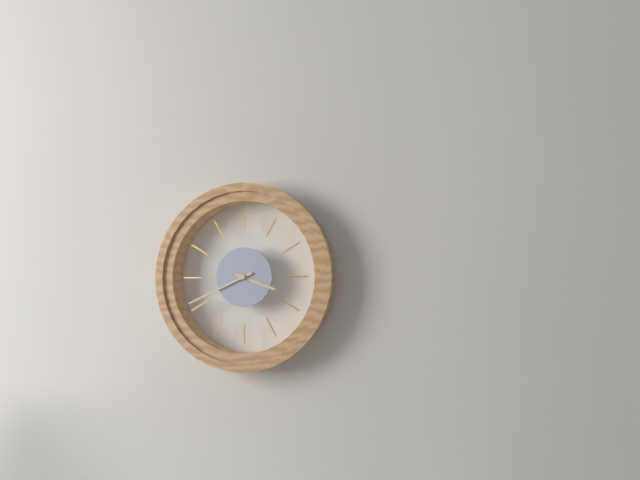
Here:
h=3 m=41
